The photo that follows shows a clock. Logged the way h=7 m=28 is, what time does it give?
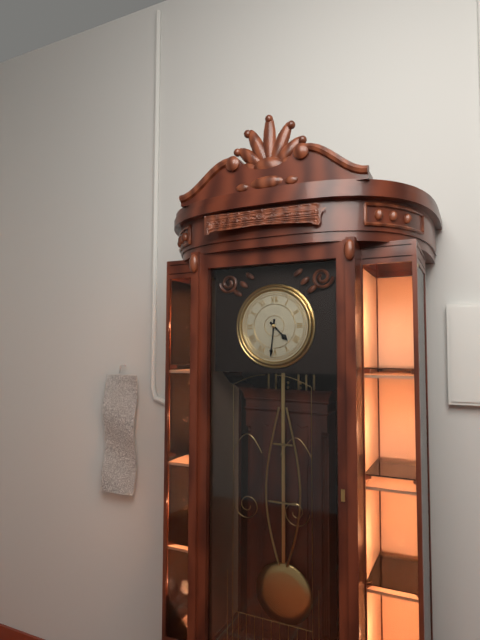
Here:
h=4 m=31
